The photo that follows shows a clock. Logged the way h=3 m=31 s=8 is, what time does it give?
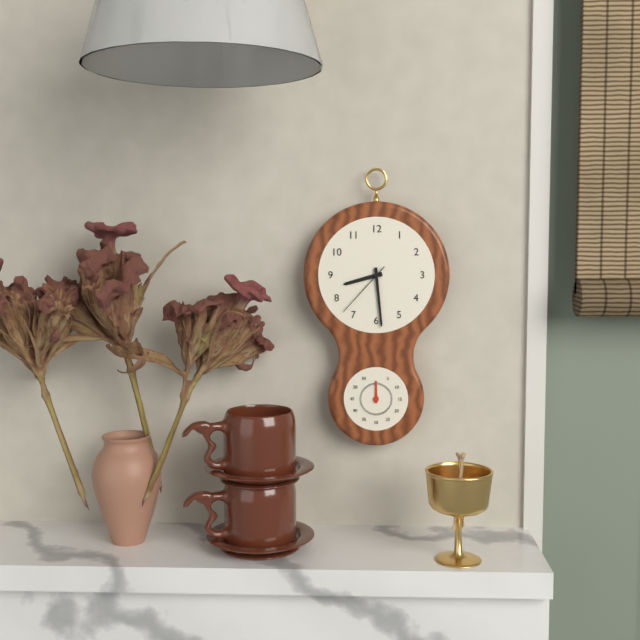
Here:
h=8 m=29 s=37
